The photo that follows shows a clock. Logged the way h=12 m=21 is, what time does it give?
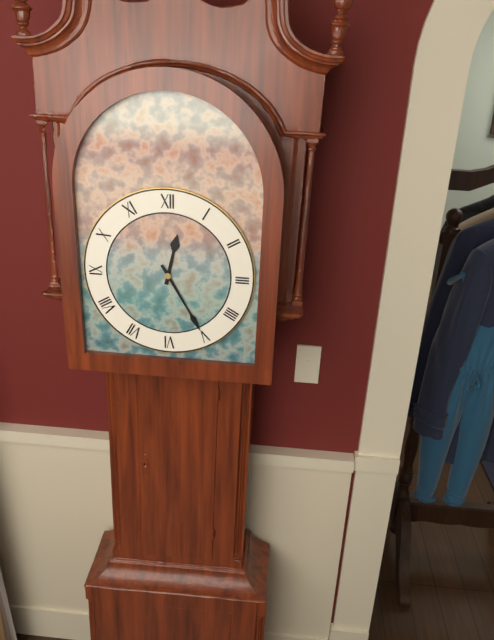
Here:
h=12 m=25
